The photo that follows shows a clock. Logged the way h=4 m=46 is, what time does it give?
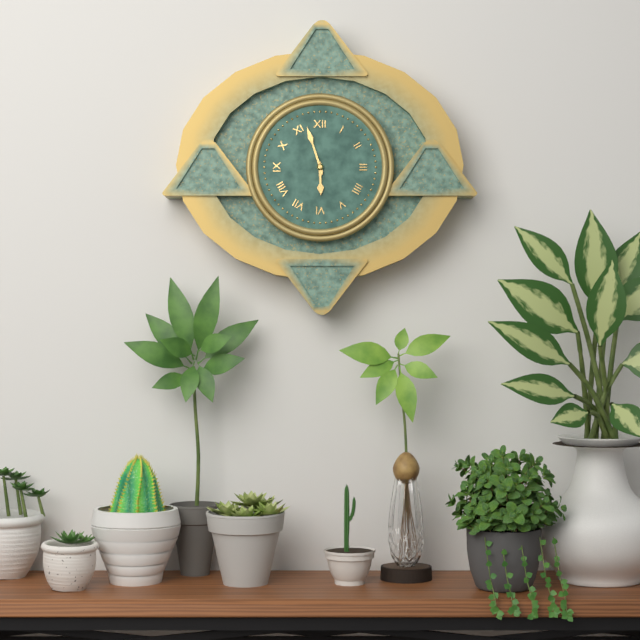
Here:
h=5 m=57
